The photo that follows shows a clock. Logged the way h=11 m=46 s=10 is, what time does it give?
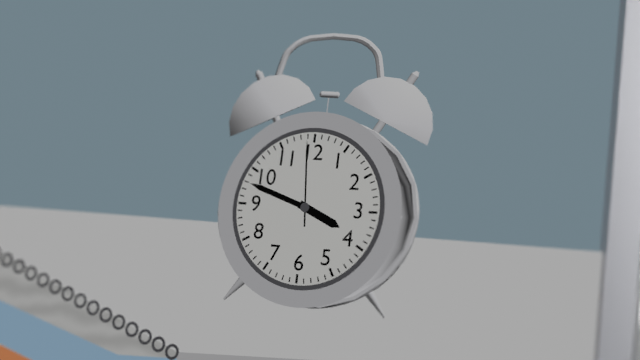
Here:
h=3 m=48 s=59
